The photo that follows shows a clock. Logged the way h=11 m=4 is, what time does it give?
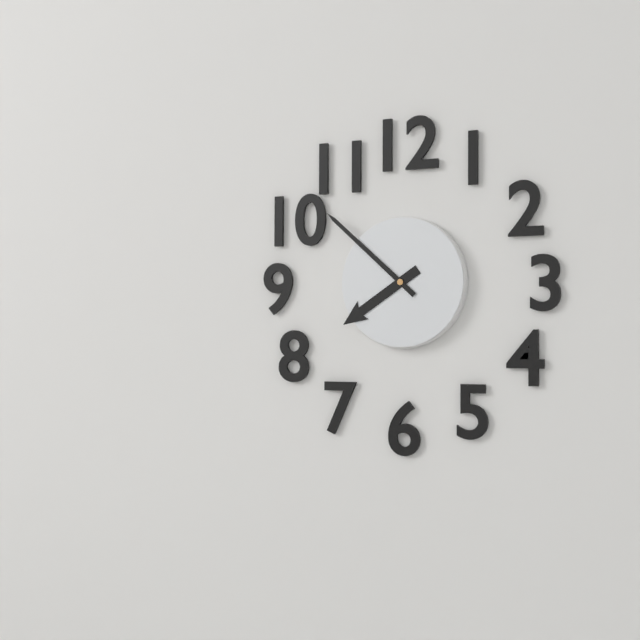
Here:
h=7 m=52
